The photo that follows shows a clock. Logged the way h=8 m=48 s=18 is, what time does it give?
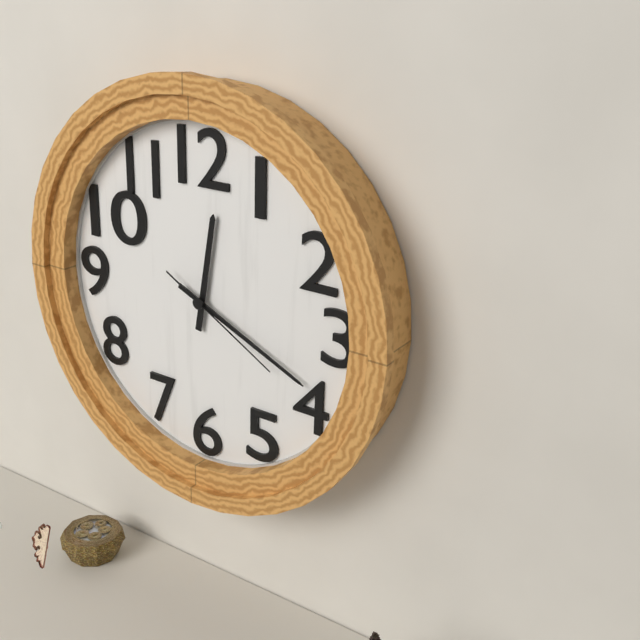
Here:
h=12 m=19 s=20
